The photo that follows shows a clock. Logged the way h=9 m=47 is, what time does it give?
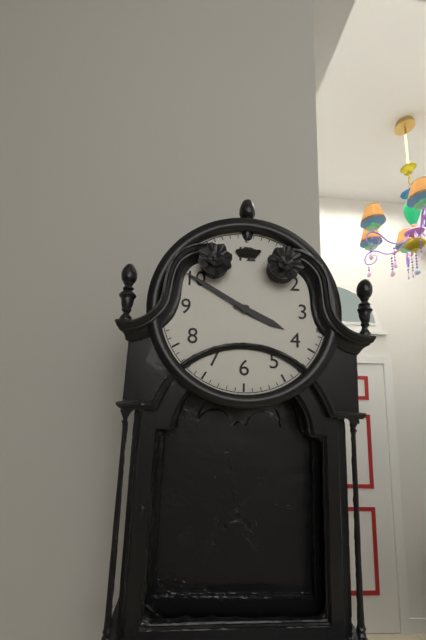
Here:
h=3 m=50
